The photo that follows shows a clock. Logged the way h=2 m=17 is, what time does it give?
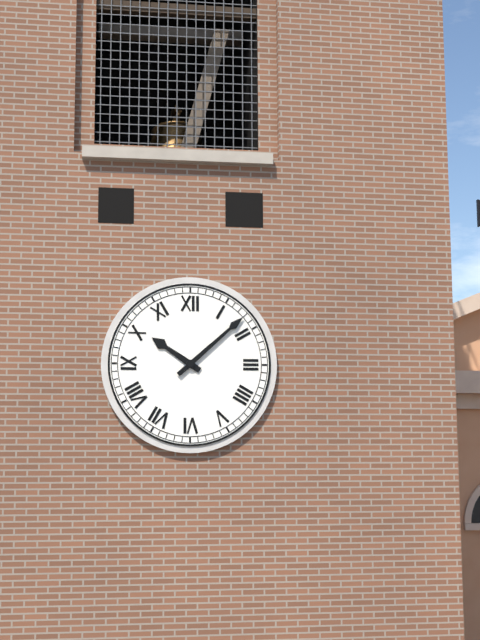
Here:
h=10 m=8
